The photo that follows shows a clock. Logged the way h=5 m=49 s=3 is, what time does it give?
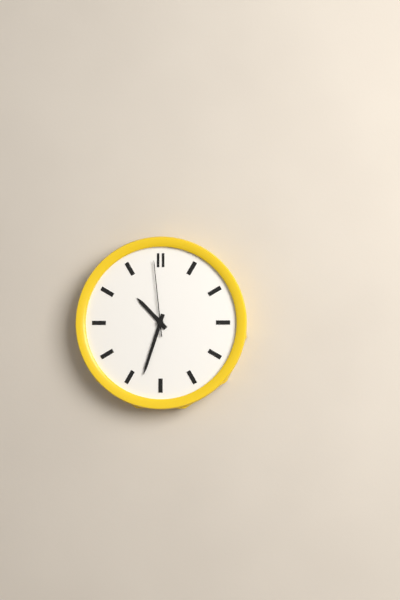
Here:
h=10 m=33 s=59
